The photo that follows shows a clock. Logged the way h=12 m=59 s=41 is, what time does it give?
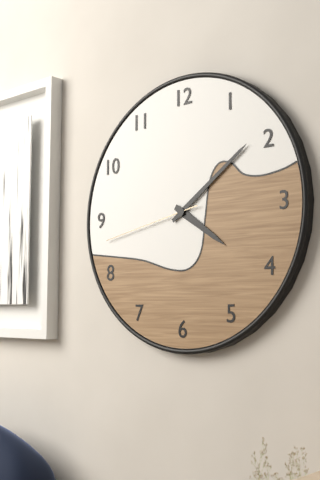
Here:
h=4 m=9 s=43
